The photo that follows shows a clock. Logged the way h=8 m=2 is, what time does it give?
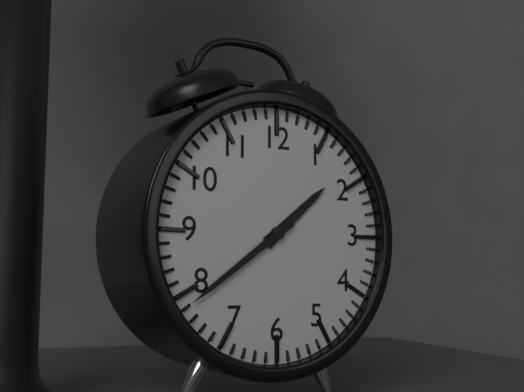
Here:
h=1 m=39
